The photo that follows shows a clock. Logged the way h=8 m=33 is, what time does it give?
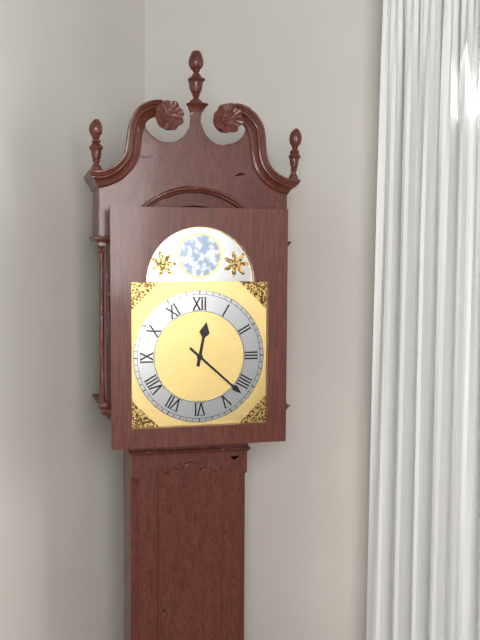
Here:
h=12 m=22
